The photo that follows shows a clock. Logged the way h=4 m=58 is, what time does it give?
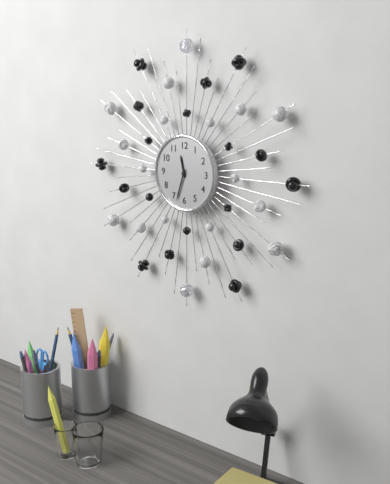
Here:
h=11 m=33
